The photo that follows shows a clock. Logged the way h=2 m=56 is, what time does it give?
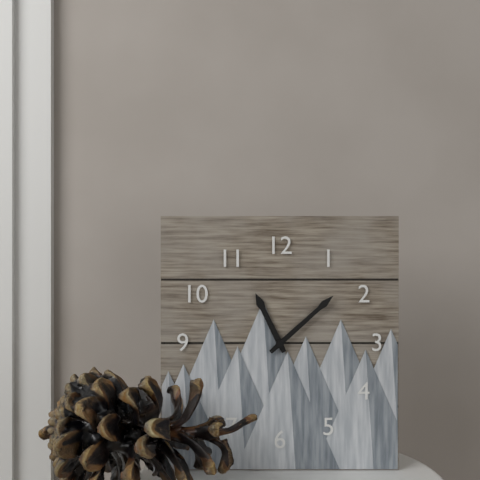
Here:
h=11 m=8
